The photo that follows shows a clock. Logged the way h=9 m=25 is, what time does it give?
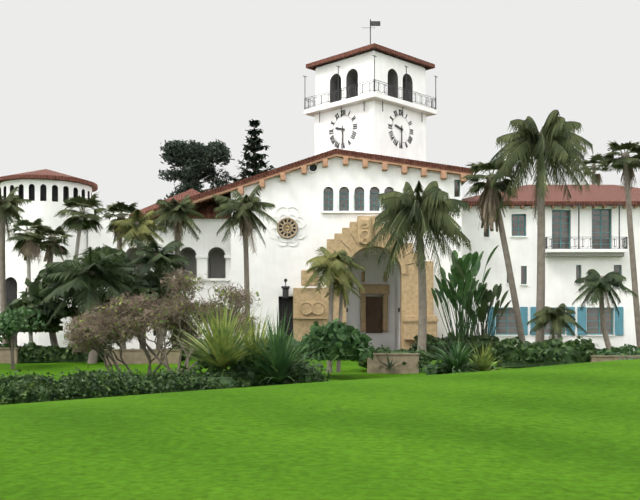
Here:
h=9 m=30
